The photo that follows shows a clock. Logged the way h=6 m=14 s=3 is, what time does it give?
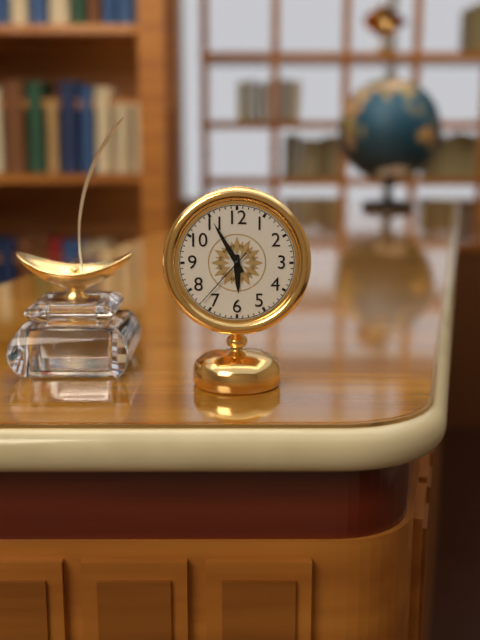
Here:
h=5 m=55 s=37
